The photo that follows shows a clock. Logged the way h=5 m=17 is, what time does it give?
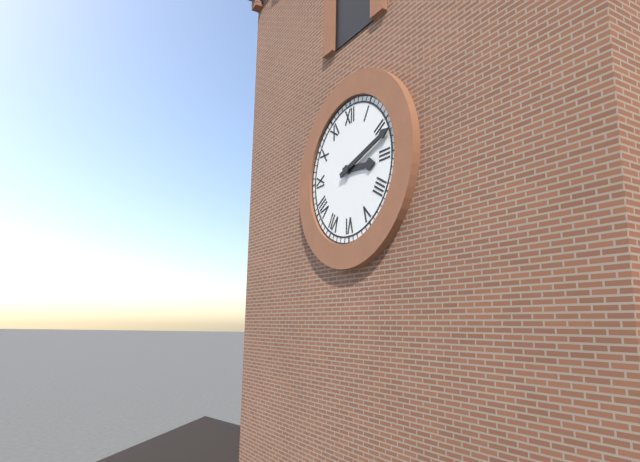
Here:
h=3 m=12
